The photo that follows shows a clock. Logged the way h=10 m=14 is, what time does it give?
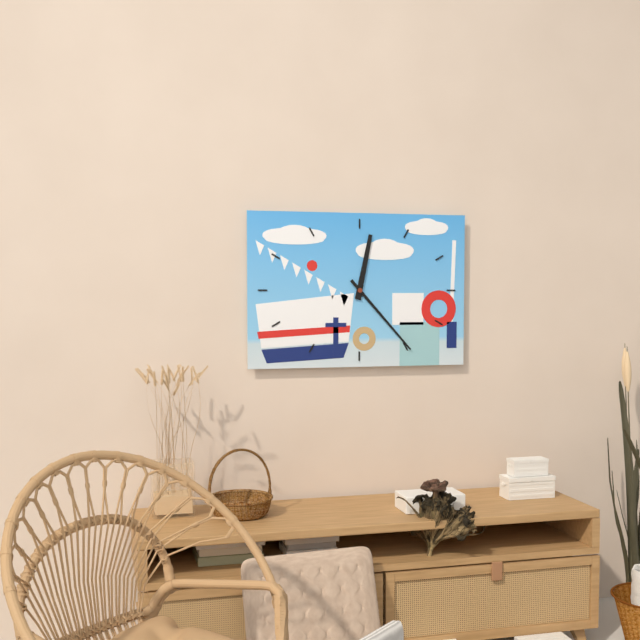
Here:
h=12 m=23
